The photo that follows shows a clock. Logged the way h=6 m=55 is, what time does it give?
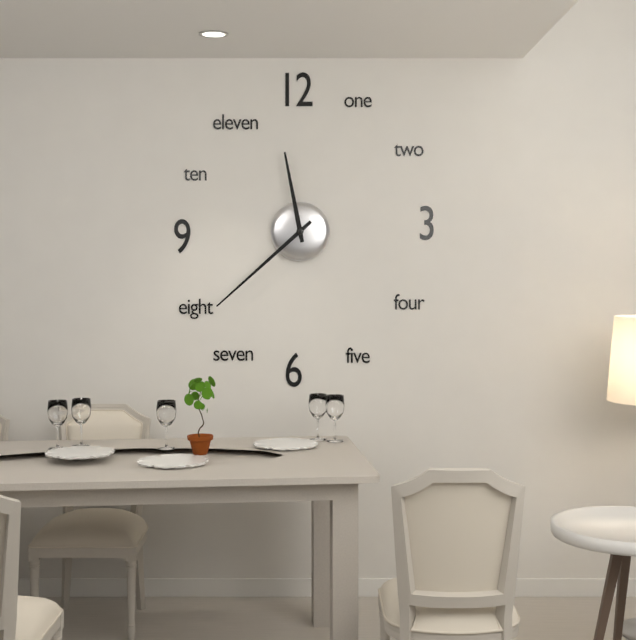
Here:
h=11 m=38
